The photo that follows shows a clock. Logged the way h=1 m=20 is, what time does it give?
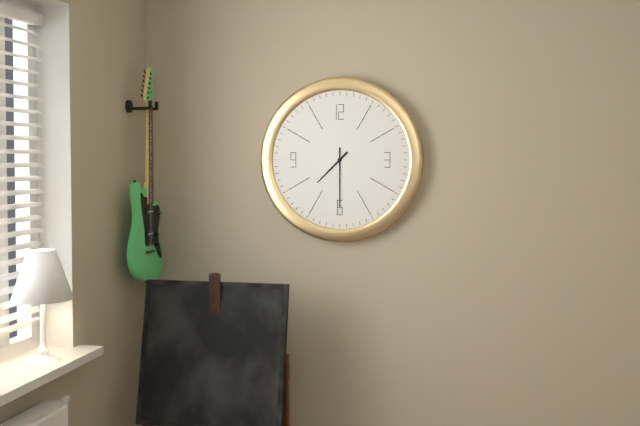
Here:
h=7 m=30
